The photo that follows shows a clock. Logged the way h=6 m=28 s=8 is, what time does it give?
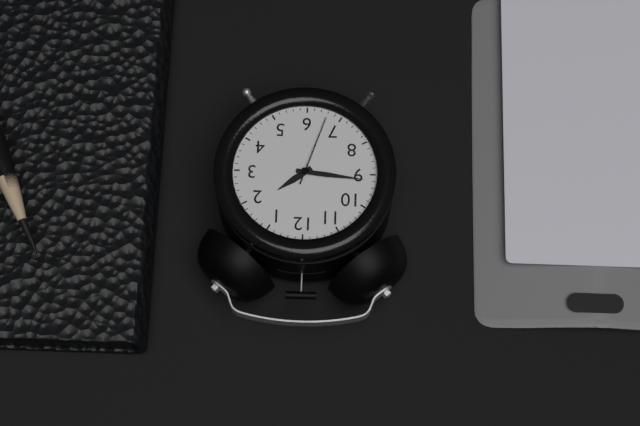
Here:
h=1 m=46 s=33
